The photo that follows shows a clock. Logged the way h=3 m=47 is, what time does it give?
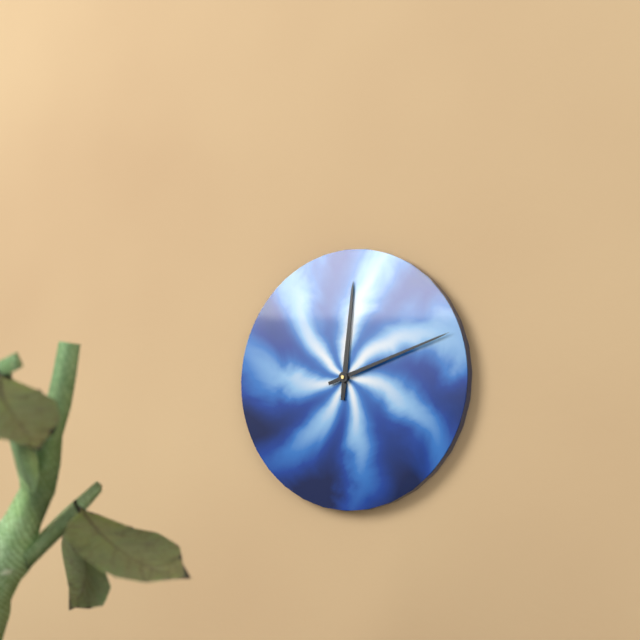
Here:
h=12 m=12
